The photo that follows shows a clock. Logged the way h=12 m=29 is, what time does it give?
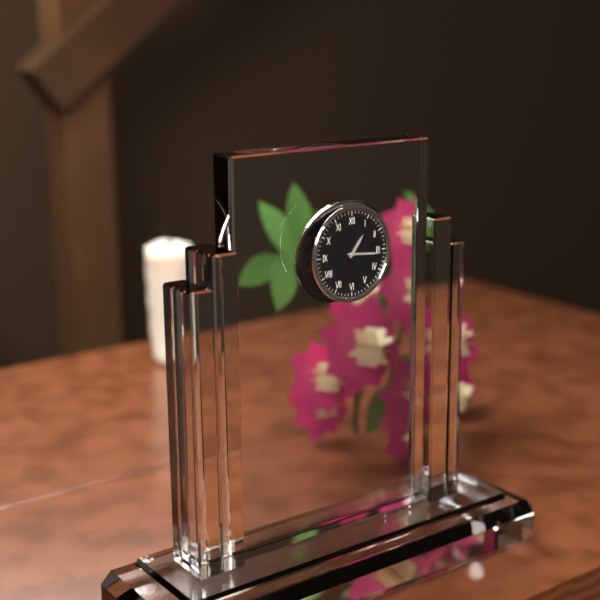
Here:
h=1 m=16
